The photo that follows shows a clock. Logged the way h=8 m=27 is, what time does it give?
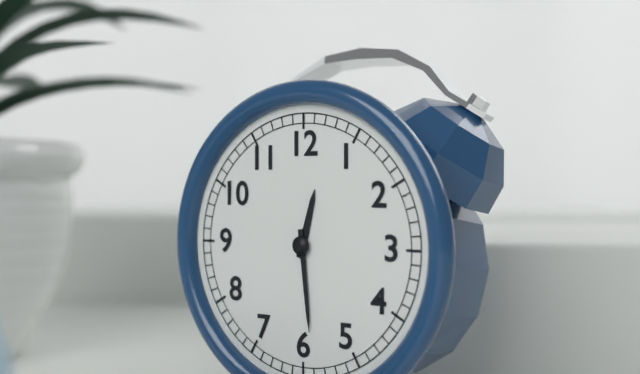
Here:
h=12 m=29
